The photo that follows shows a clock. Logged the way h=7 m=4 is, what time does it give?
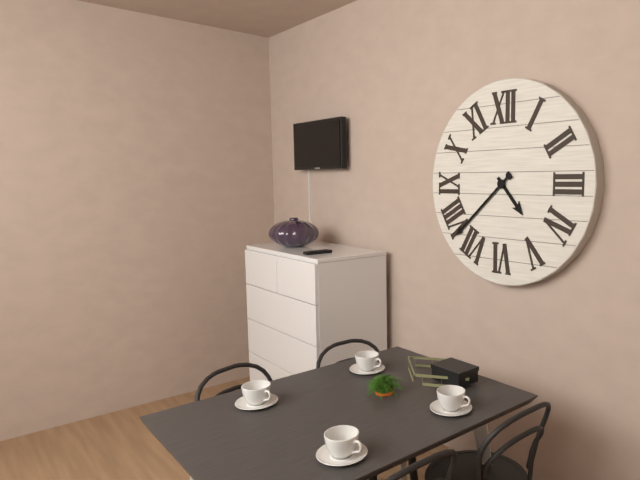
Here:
h=4 m=38
